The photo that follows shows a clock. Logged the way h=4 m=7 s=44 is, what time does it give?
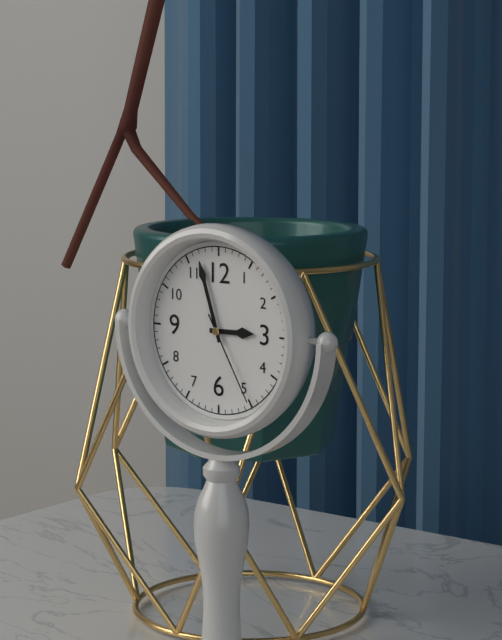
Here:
h=2 m=57 s=25
